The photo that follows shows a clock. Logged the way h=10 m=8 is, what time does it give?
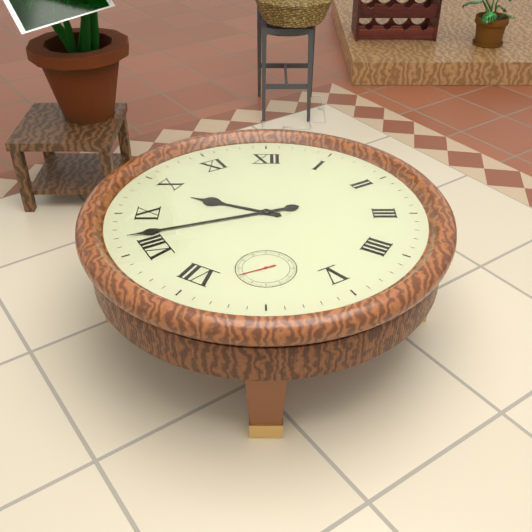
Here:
h=9 m=42
